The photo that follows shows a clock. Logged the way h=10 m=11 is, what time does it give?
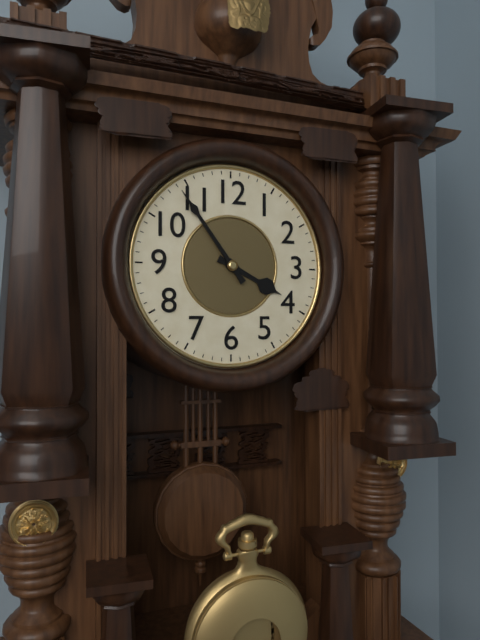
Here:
h=3 m=54
